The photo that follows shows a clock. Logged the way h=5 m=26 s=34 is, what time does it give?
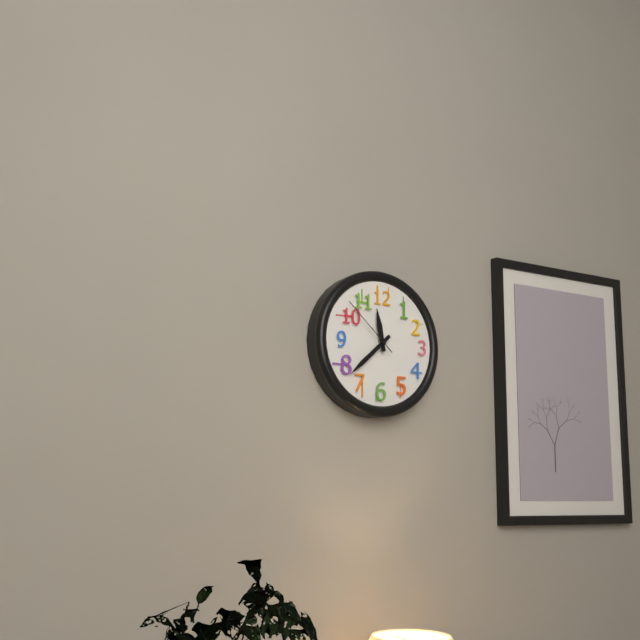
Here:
h=11 m=38 s=52
